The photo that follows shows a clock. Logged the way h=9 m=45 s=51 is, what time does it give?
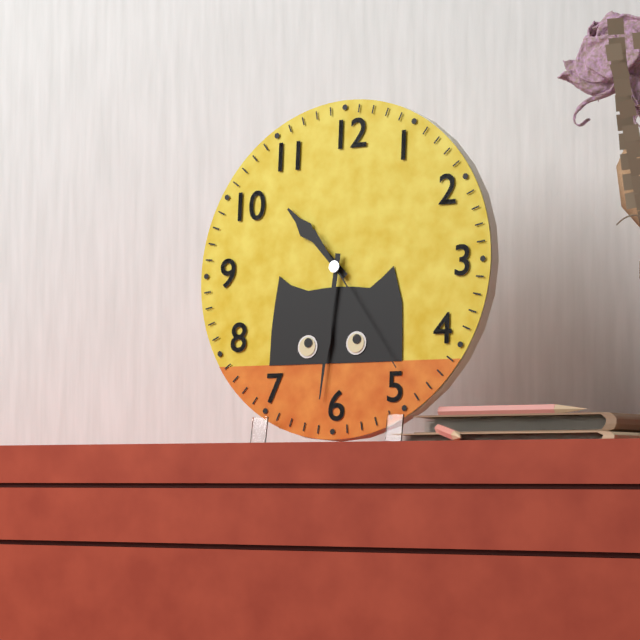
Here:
h=10 m=31 s=24
